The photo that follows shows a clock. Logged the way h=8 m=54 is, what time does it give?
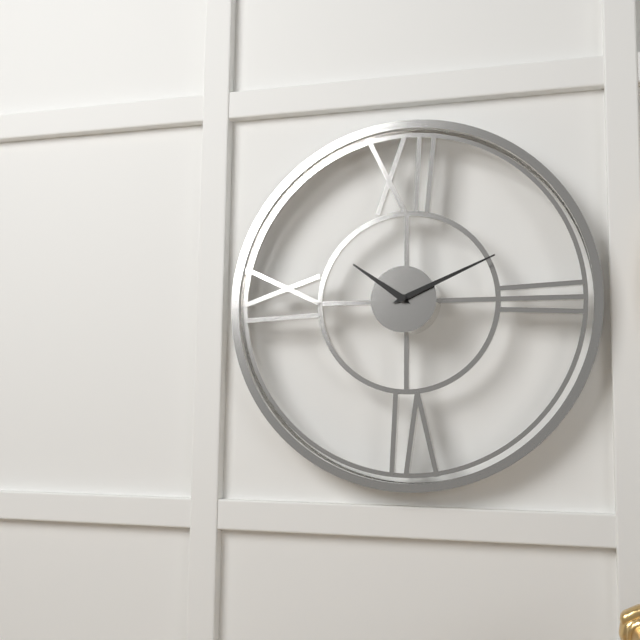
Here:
h=10 m=11
